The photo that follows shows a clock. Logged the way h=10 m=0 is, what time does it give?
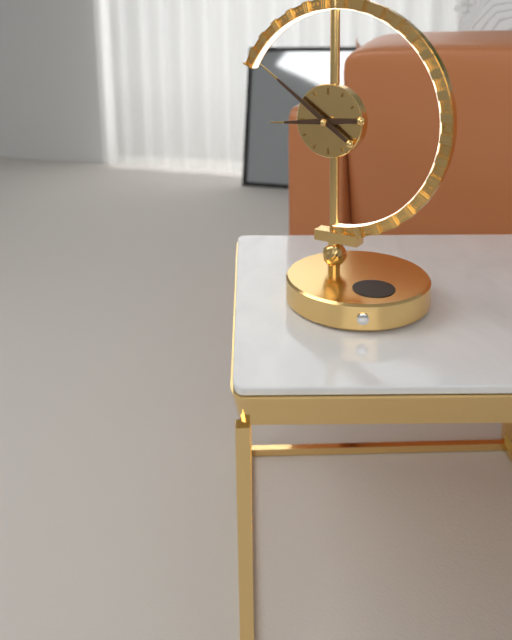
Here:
h=8 m=51
